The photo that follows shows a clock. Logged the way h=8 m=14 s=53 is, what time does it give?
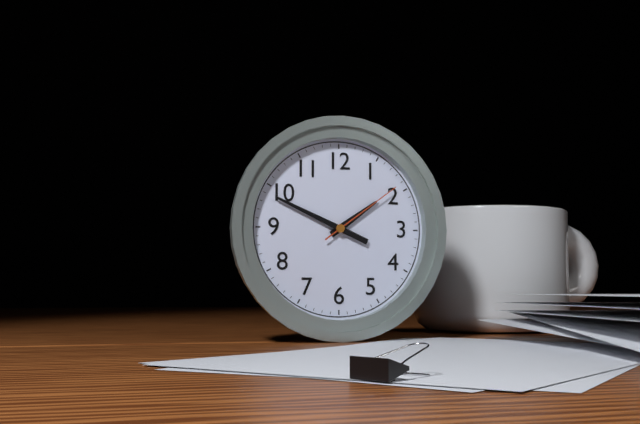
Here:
h=1 m=49 s=9
